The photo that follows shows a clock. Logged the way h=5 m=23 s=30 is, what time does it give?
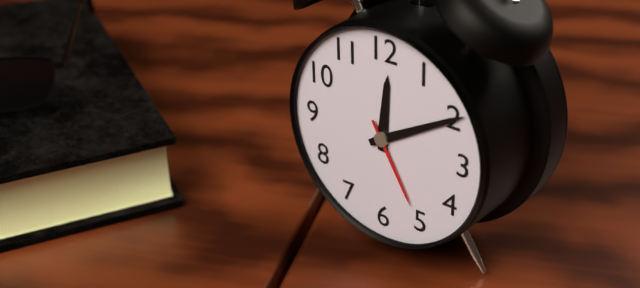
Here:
h=12 m=10 s=25
